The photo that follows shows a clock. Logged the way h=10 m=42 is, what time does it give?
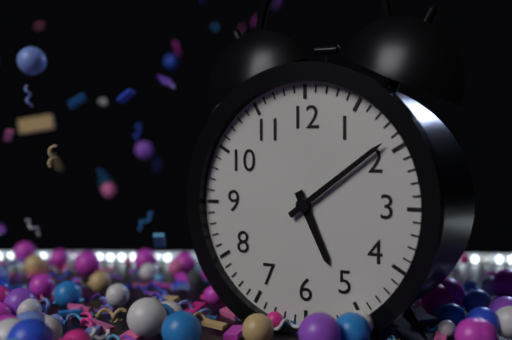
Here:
h=5 m=9
